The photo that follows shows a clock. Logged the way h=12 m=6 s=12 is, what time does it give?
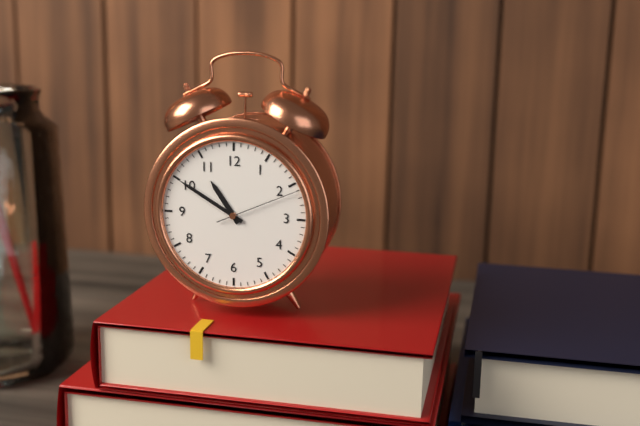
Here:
h=10 m=50 s=11
